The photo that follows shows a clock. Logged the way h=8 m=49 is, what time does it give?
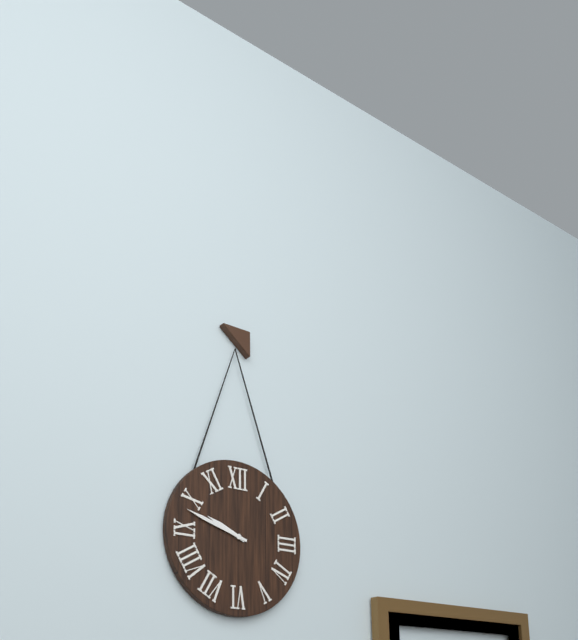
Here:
h=9 m=48
